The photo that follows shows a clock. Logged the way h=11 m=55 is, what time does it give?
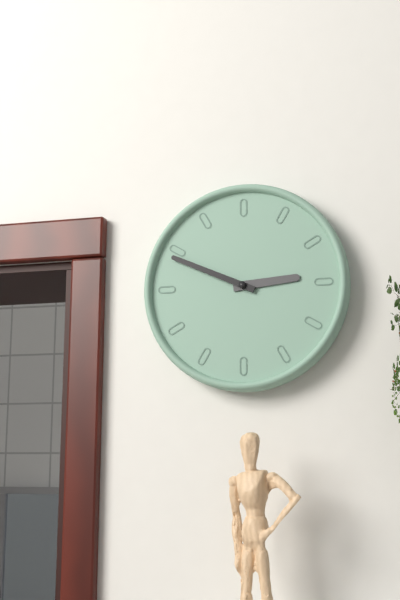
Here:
h=2 m=49
